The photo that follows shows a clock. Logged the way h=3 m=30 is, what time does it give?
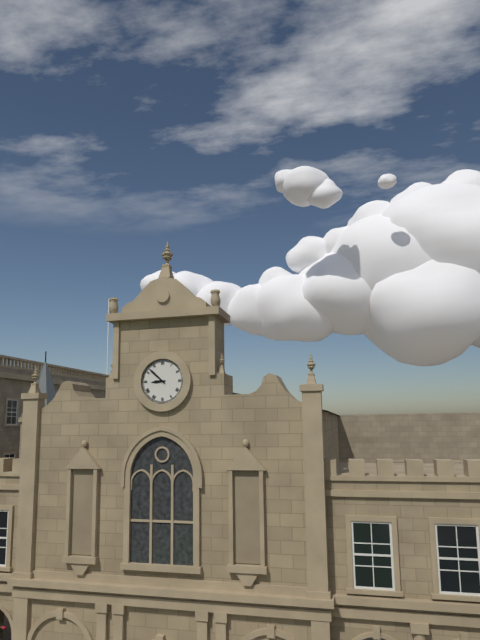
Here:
h=8 m=52
